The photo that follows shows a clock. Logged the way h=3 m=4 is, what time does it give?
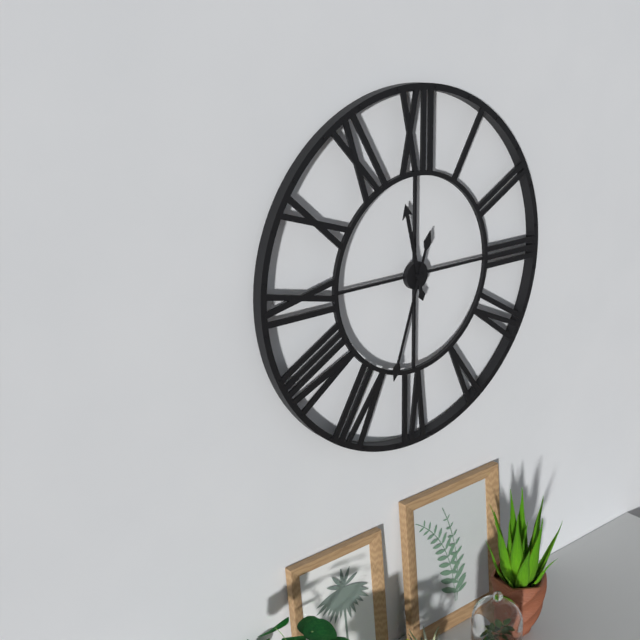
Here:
h=11 m=33
